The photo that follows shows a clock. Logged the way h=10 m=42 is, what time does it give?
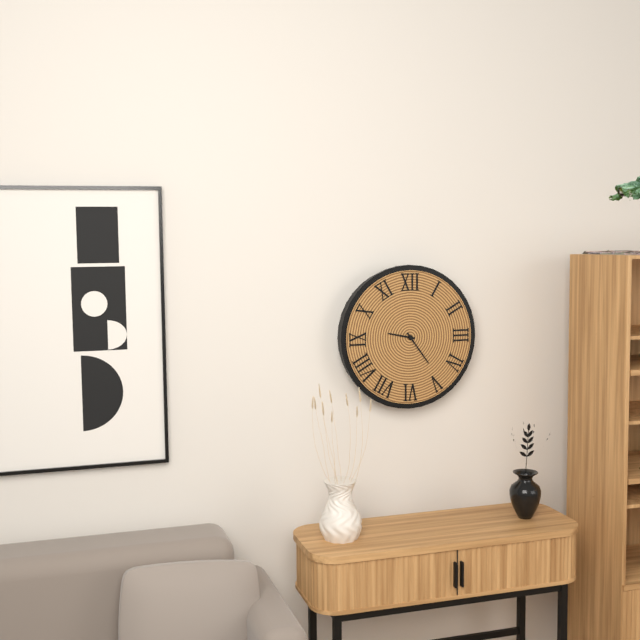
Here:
h=9 m=24
